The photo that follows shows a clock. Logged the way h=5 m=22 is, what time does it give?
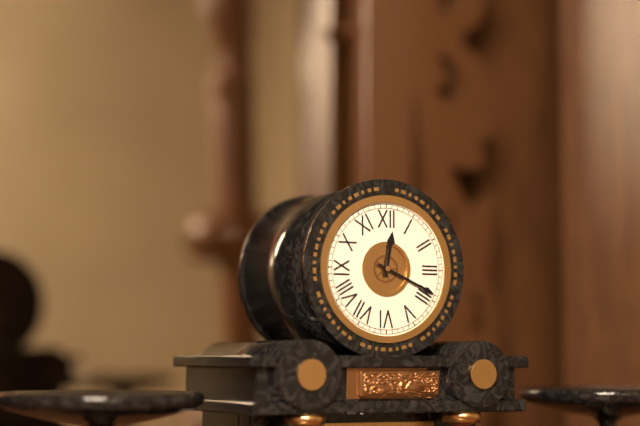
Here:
h=12 m=19
